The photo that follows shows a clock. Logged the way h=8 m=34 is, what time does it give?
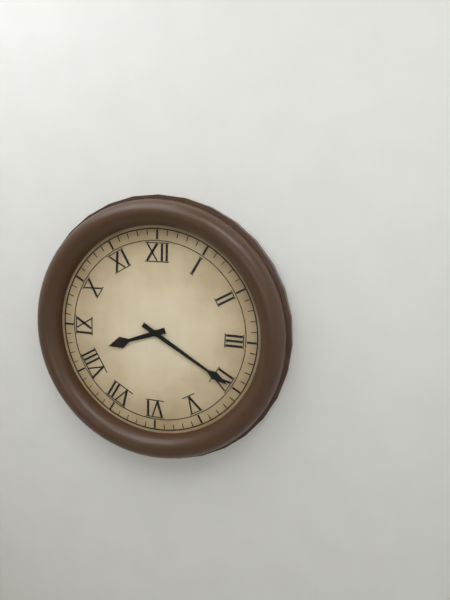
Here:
h=8 m=20
